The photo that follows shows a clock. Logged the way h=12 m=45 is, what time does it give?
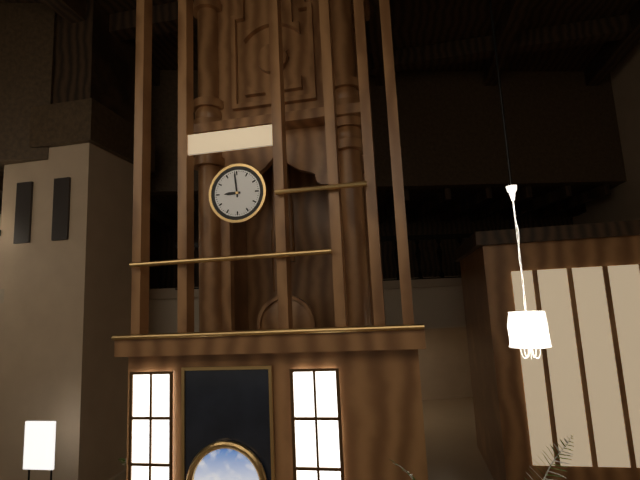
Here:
h=8 m=59
